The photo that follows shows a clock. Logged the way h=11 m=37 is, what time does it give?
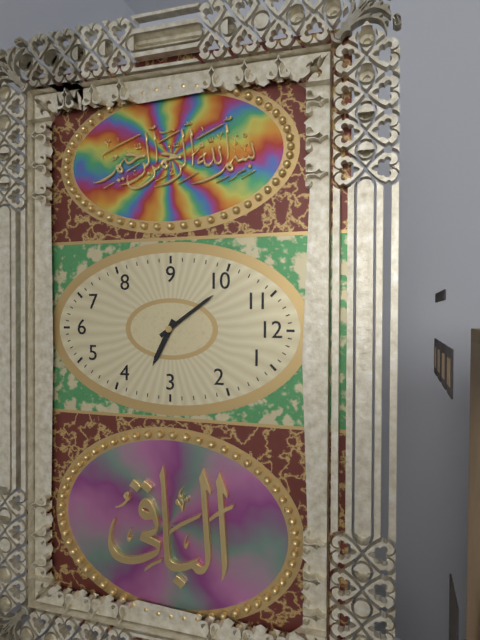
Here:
h=3 m=54
